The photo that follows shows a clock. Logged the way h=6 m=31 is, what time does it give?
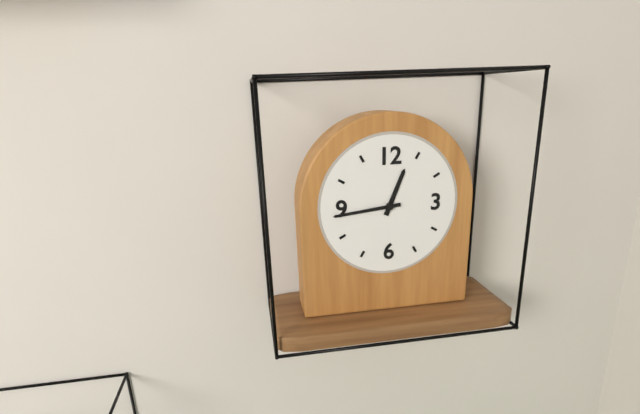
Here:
h=12 m=44
